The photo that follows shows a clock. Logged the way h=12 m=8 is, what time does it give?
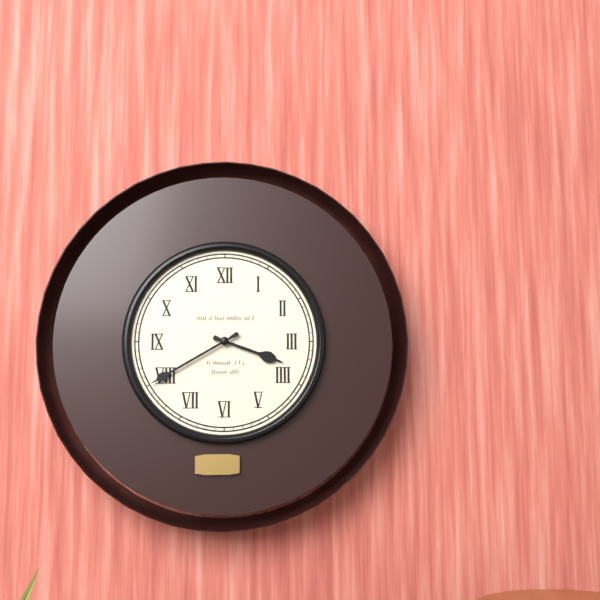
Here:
h=3 m=40
